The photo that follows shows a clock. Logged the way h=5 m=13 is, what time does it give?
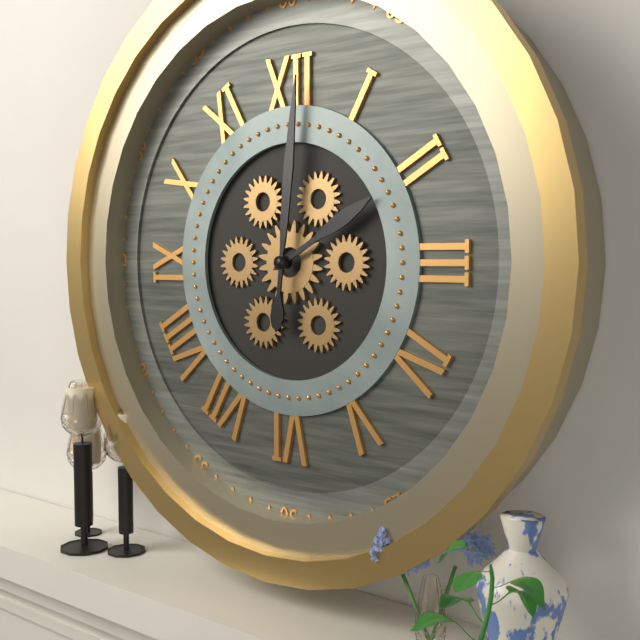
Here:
h=2 m=1
